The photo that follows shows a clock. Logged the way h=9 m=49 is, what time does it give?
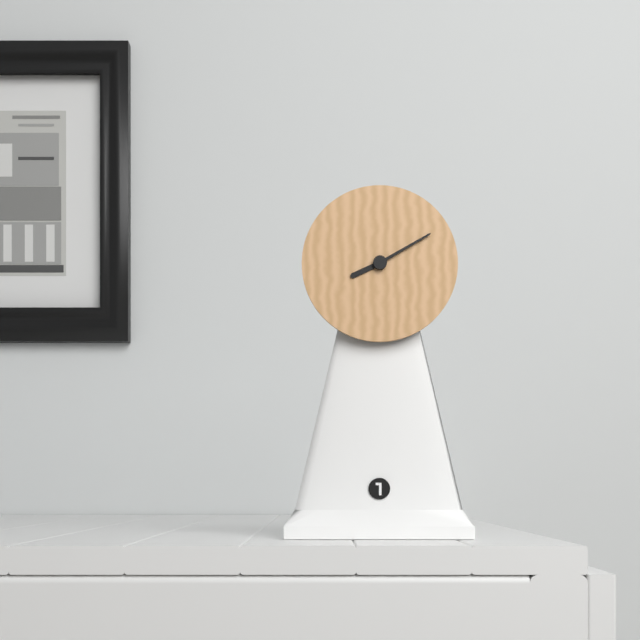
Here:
h=8 m=10
